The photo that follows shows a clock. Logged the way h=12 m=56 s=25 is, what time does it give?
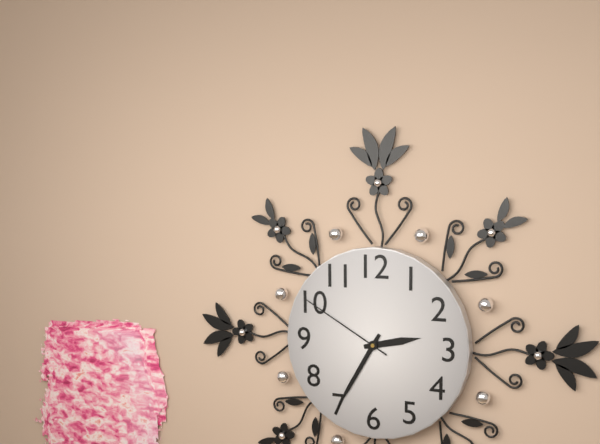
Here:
h=2 m=35 s=50
